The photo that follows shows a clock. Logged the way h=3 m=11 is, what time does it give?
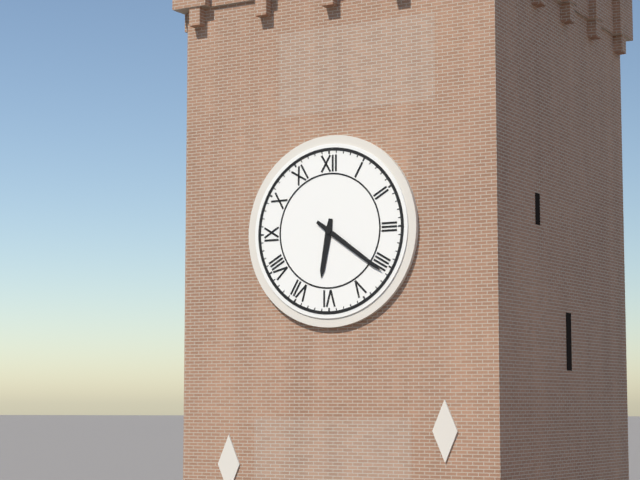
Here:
h=6 m=21
